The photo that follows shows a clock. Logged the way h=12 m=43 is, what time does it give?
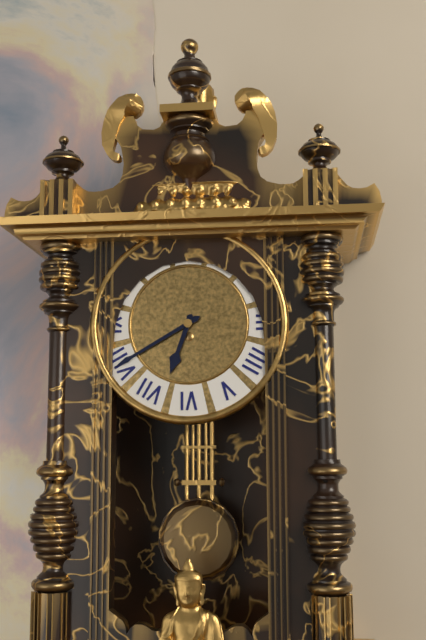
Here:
h=6 m=40
